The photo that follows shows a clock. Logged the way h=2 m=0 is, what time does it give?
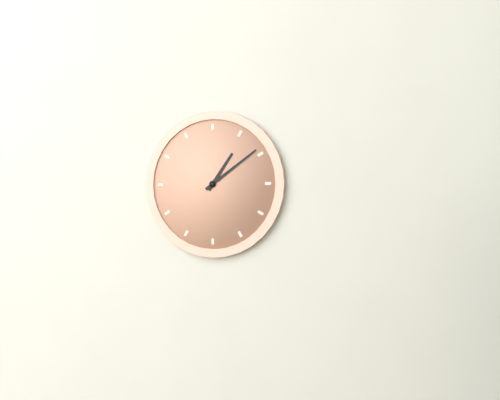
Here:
h=1 m=9
